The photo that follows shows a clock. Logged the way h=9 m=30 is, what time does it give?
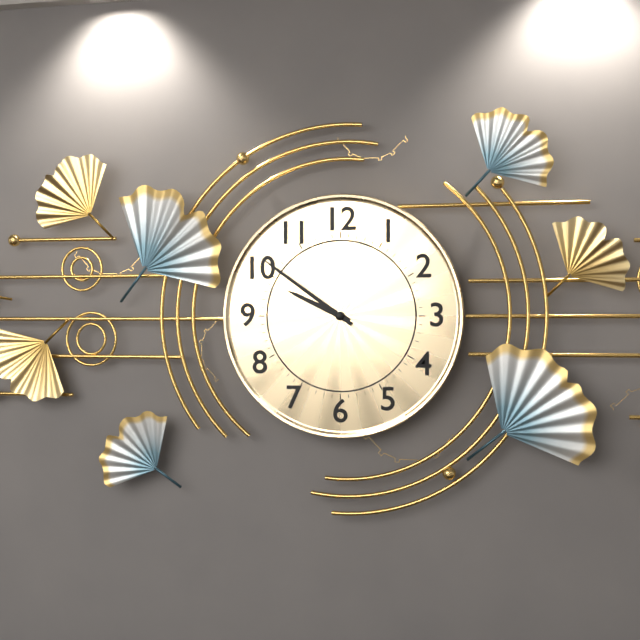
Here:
h=9 m=51
